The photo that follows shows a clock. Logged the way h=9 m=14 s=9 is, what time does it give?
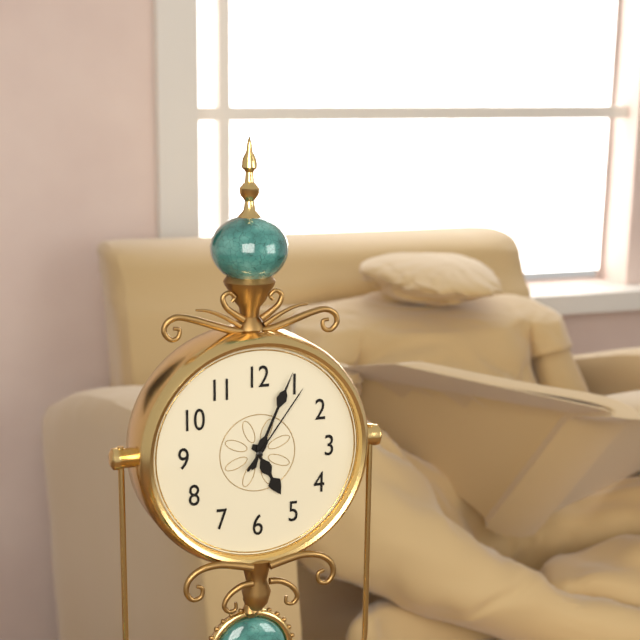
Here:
h=5 m=4 s=6
